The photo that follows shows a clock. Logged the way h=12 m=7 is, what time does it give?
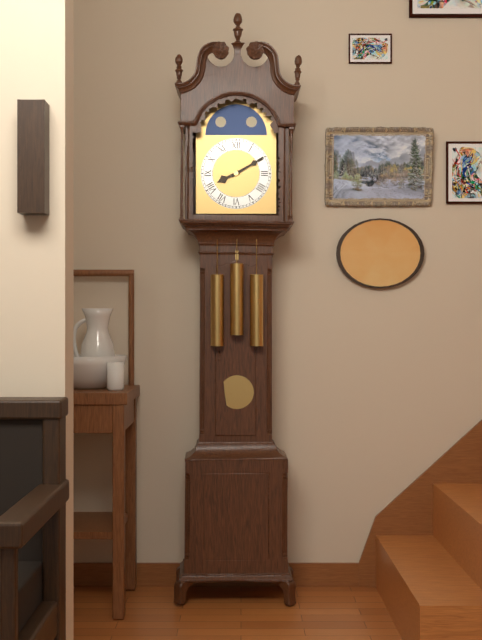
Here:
h=8 m=10
